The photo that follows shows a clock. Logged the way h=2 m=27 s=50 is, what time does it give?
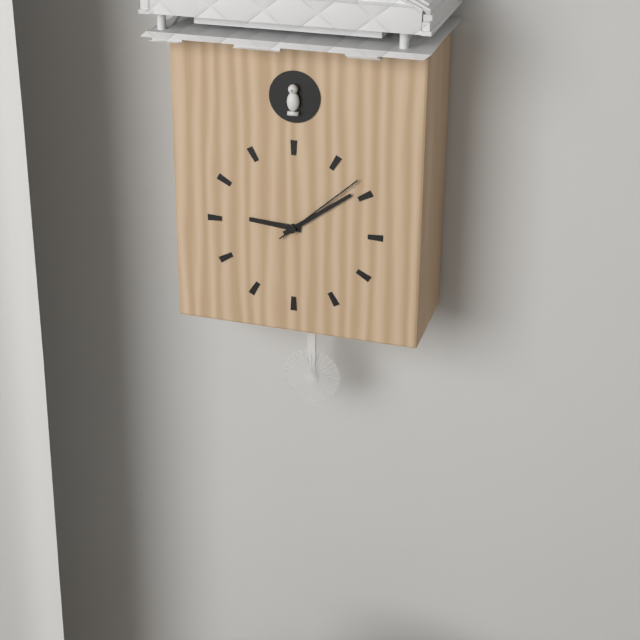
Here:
h=9 m=9 s=8
